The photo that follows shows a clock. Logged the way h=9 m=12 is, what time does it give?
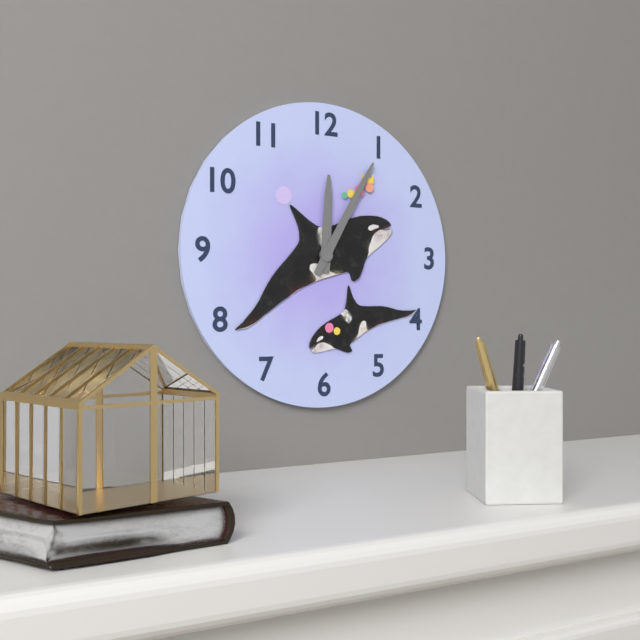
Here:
h=12 m=5
